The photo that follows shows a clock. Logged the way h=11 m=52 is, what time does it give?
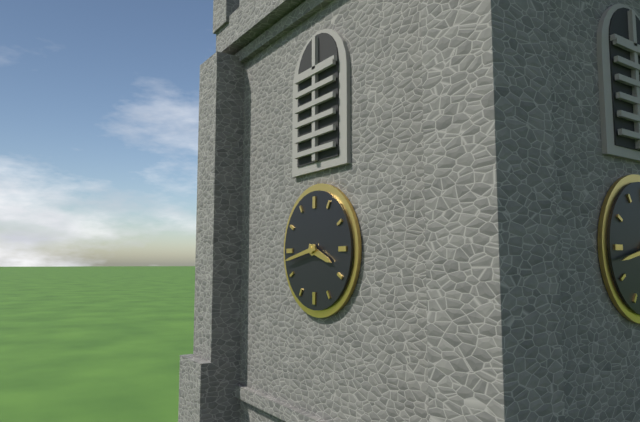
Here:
h=3 m=43
